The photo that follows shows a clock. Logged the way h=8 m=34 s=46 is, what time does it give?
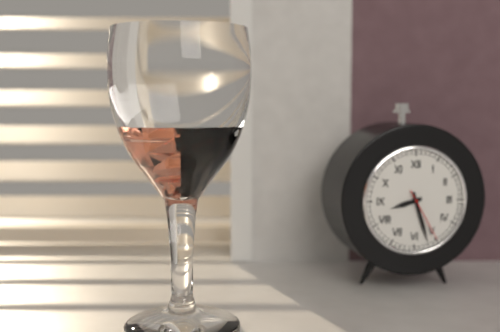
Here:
h=8 m=27 s=25
